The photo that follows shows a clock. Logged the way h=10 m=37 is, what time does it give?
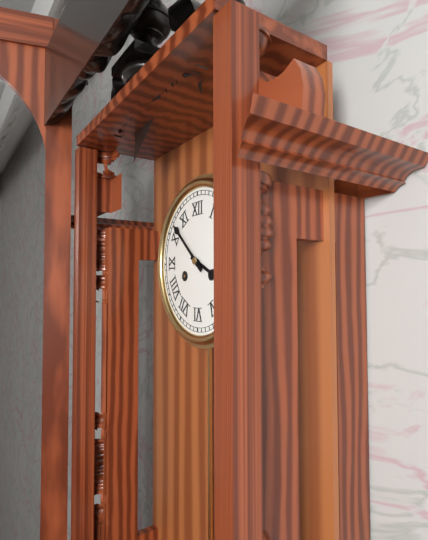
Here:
h=3 m=52
